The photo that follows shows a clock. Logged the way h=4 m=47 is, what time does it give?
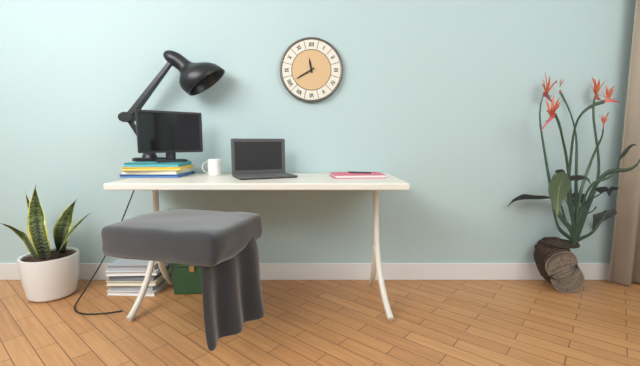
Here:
h=11 m=40
